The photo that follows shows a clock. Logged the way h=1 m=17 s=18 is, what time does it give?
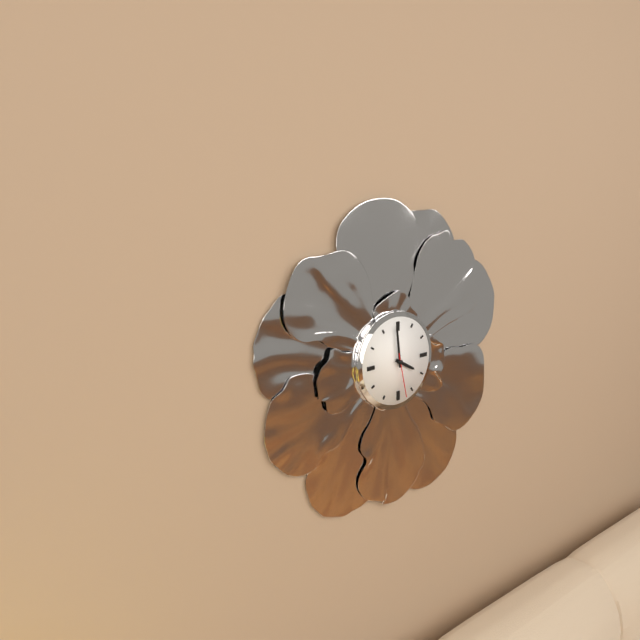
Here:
h=3 m=59 s=28
